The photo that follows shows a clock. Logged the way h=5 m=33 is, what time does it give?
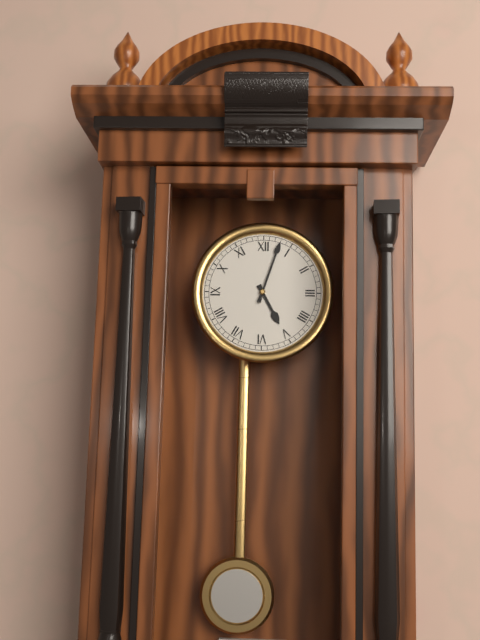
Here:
h=5 m=3
